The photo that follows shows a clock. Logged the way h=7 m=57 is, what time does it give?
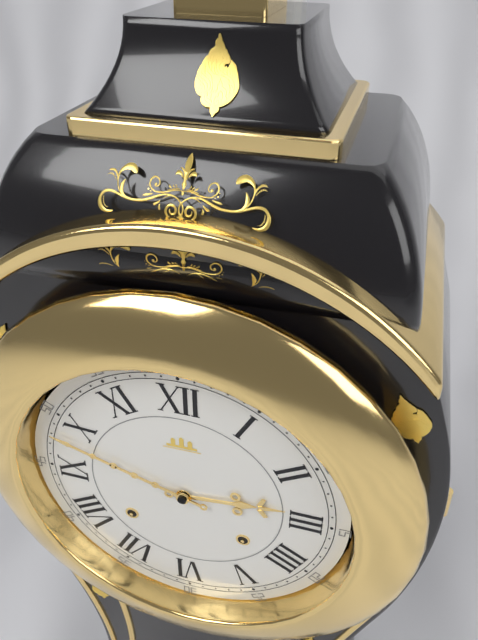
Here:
h=2 m=48
